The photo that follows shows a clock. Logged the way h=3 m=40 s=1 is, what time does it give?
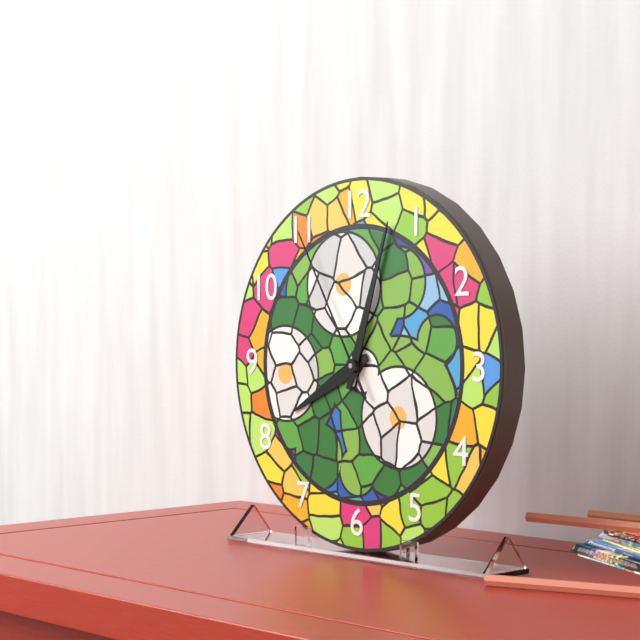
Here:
h=8 m=3 s=55
